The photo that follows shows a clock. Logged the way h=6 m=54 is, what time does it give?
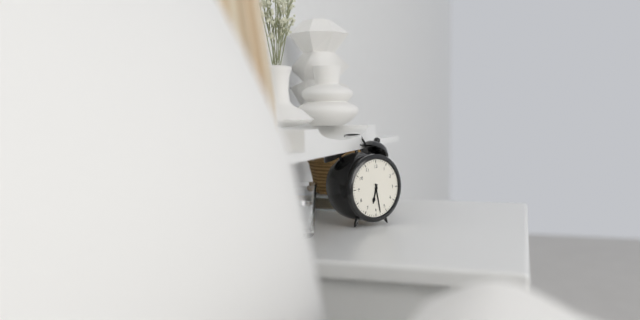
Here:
h=6 m=28
